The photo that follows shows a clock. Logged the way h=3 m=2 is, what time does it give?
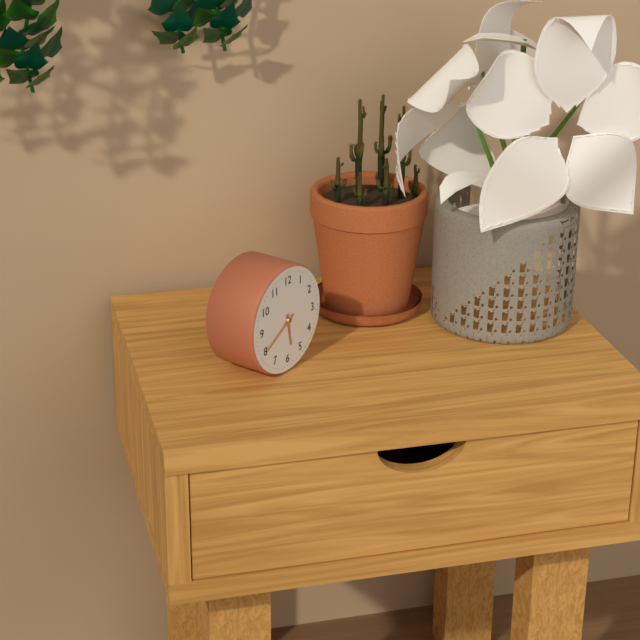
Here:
h=5 m=40
